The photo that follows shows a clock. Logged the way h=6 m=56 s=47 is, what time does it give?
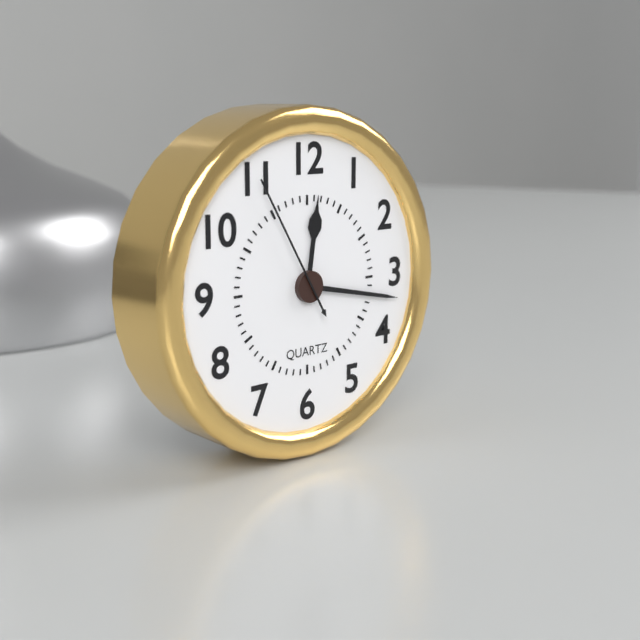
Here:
h=12 m=17 s=55
